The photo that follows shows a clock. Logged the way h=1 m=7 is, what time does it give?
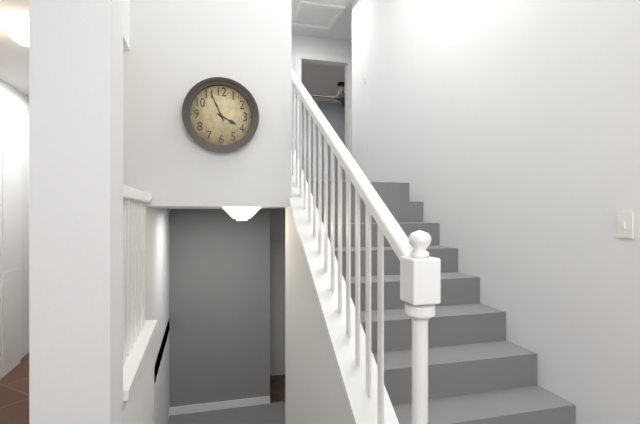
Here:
h=3 m=56
